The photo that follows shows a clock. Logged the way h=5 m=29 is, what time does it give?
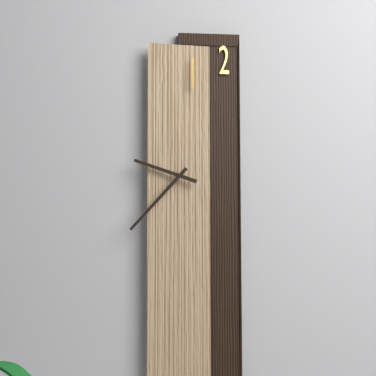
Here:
h=9 m=37
